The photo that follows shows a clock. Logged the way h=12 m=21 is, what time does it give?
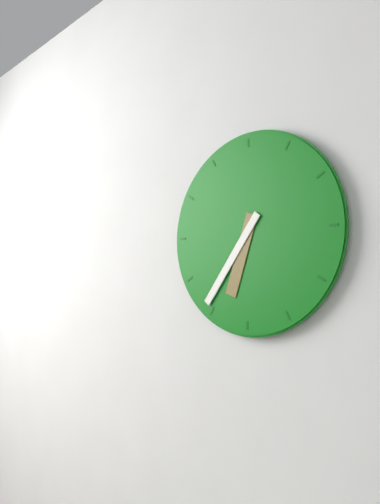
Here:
h=6 m=36
